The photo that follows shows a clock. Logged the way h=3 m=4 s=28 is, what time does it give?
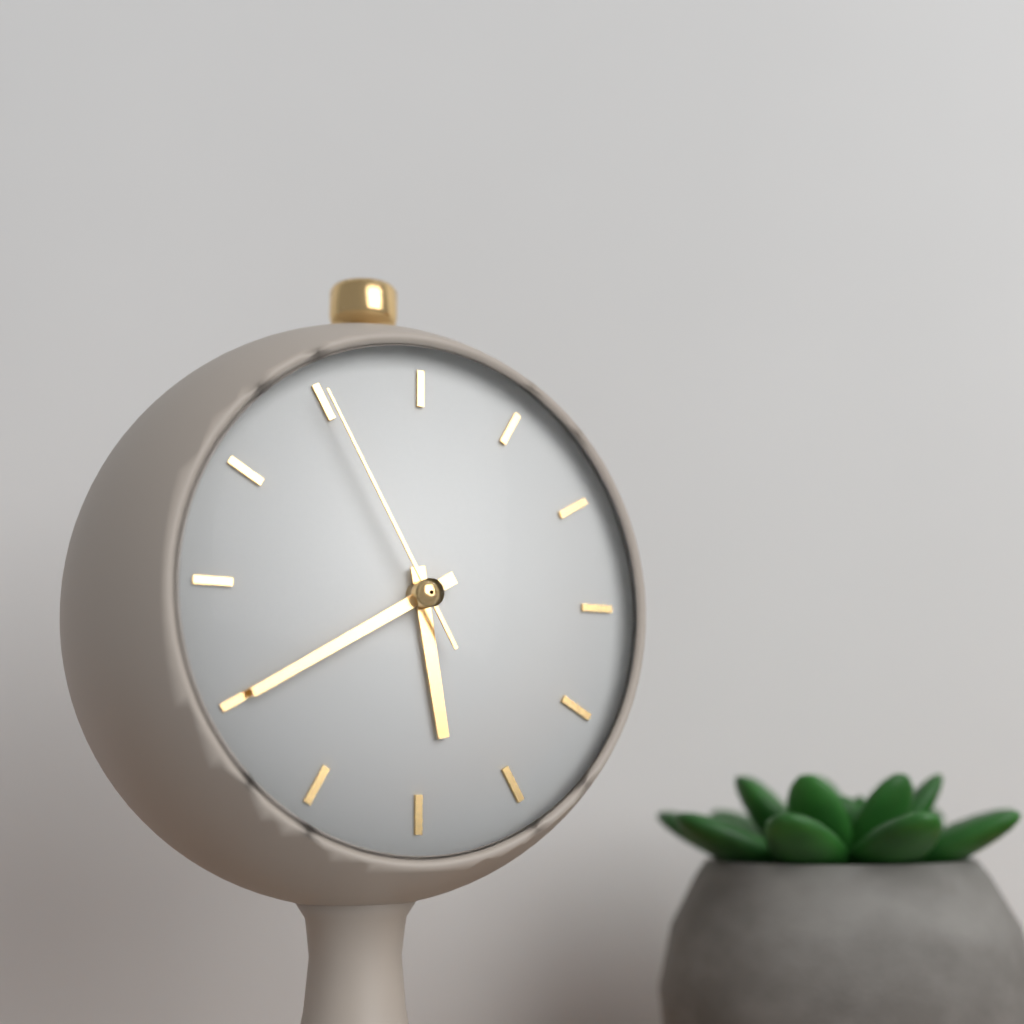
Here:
h=5 m=40 s=55
